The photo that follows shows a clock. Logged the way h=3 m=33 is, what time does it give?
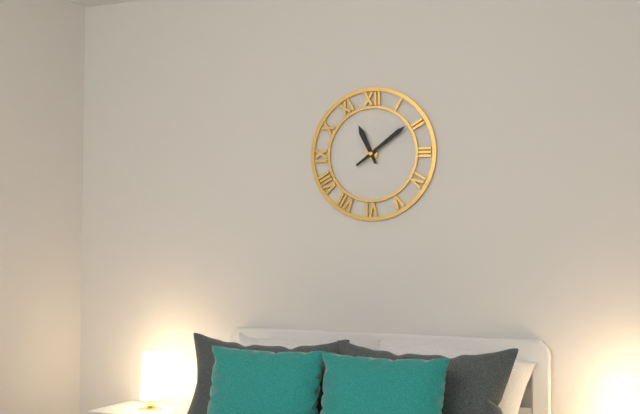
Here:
h=11 m=9
